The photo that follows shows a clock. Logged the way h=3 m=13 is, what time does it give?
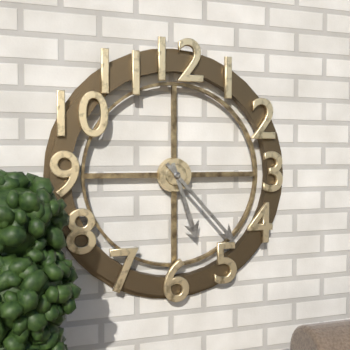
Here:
h=5 m=23
